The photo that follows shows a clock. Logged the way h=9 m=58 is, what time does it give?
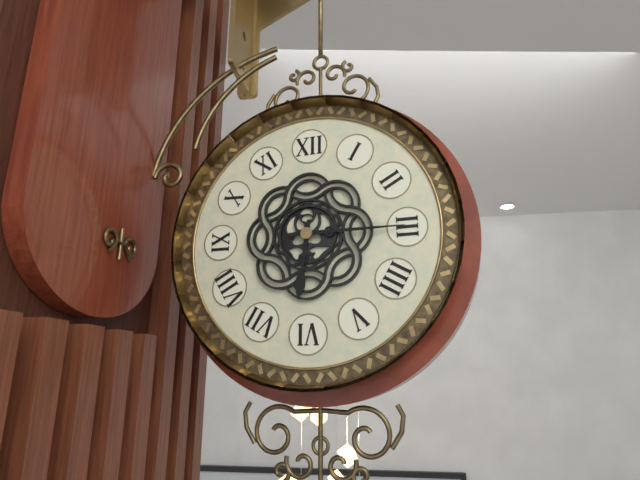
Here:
h=6 m=15
